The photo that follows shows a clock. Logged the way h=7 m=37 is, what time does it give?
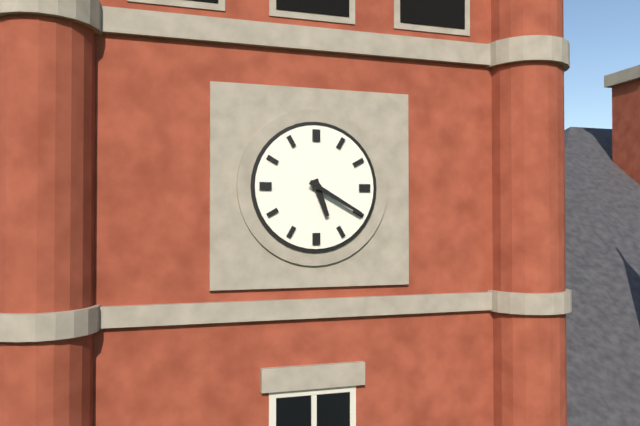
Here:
h=5 m=20
